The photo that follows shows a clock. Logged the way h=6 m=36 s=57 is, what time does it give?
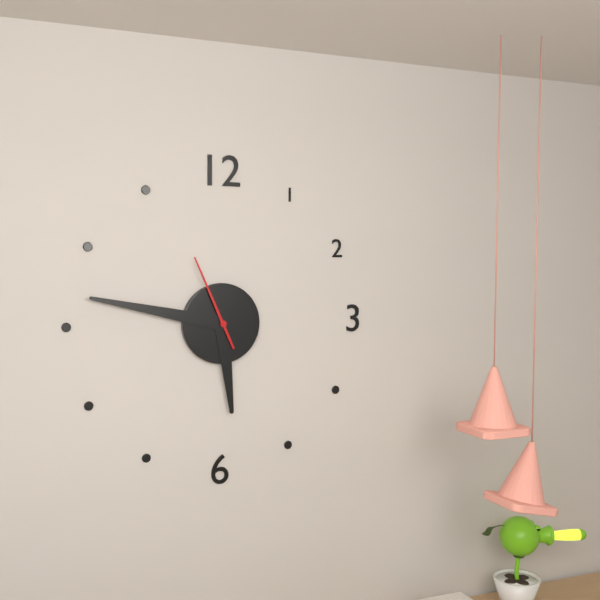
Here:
h=5 m=47 s=56
